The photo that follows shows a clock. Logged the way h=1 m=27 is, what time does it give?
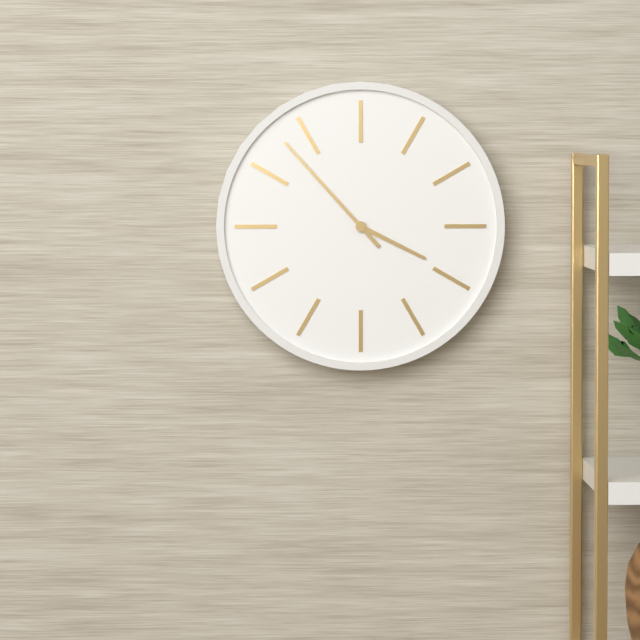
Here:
h=3 m=53
